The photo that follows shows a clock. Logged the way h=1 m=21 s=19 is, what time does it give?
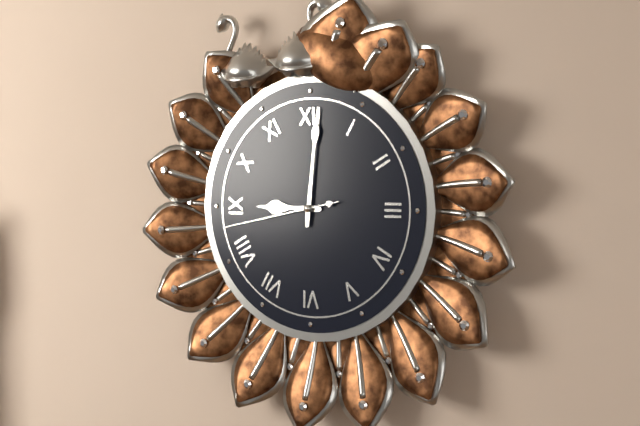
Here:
h=9 m=1 s=43
